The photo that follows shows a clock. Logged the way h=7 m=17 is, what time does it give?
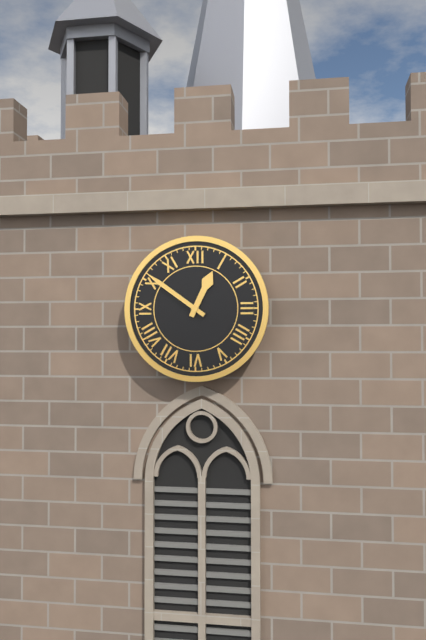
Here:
h=12 m=51
